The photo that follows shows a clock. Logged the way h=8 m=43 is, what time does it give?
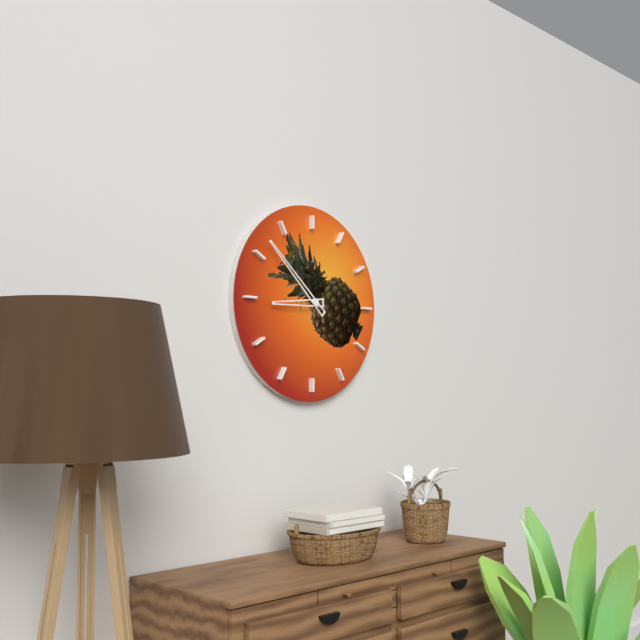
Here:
h=8 m=52
